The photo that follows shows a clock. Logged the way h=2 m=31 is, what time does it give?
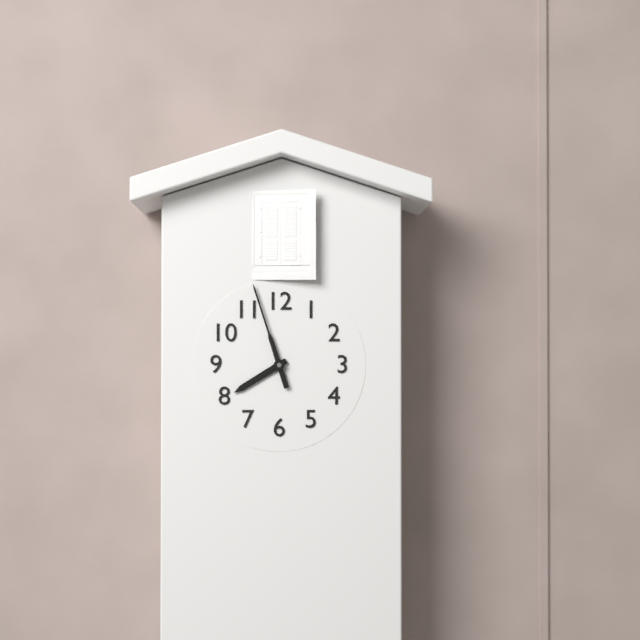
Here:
h=7 m=57
